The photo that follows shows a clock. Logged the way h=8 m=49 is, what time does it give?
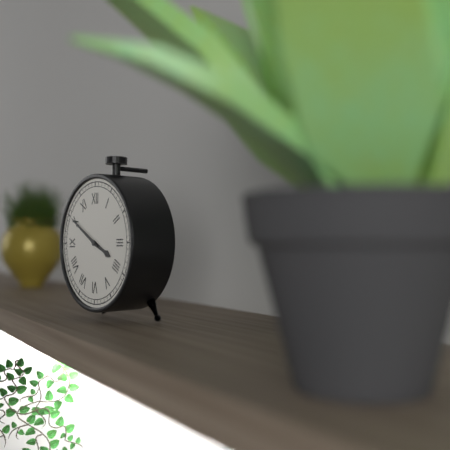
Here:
h=3 m=50
